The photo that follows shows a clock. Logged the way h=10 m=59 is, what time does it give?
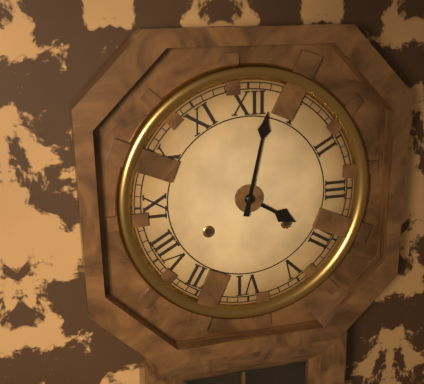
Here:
h=4 m=2
